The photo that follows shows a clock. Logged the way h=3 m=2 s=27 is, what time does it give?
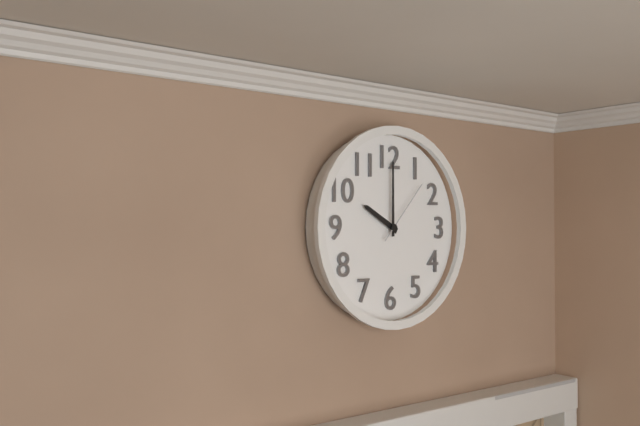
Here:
h=10 m=0 s=7
